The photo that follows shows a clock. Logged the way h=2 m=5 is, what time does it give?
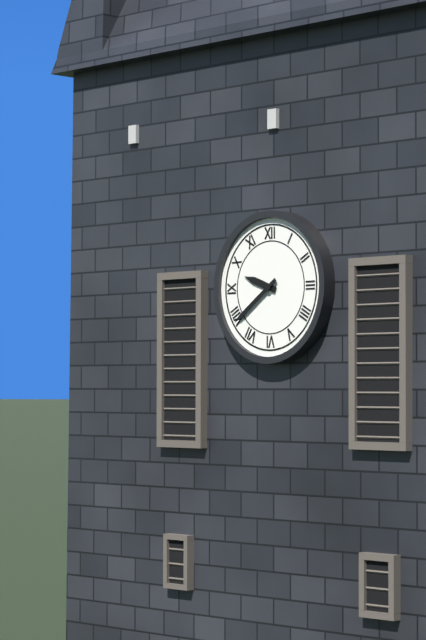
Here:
h=9 m=39
